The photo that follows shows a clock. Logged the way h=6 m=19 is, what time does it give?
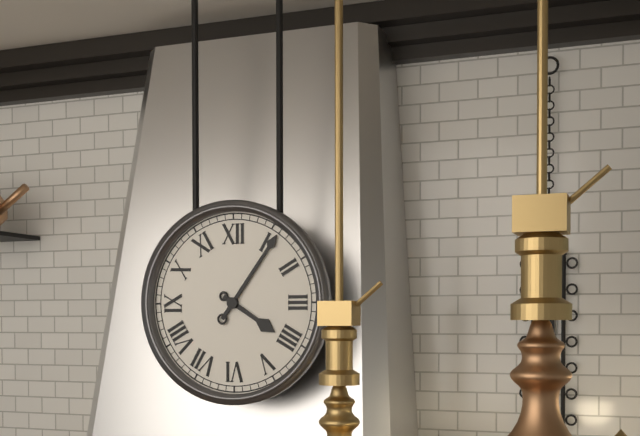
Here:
h=4 m=6
